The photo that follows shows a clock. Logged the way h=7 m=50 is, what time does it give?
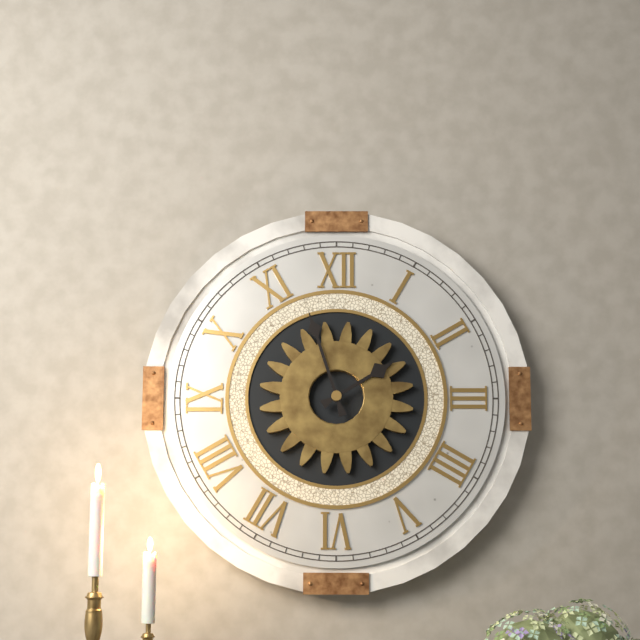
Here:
h=1 m=57
